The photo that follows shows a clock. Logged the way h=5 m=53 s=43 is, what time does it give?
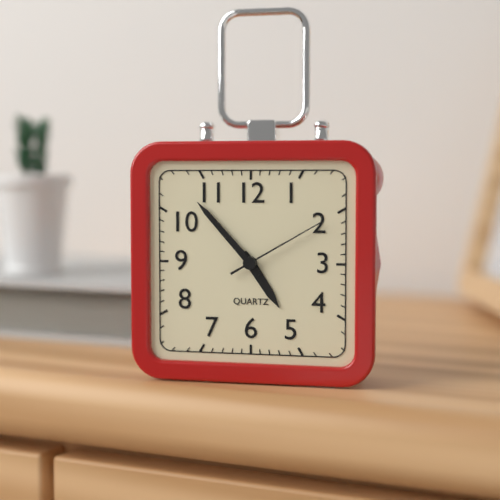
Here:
h=4 m=53 s=10
